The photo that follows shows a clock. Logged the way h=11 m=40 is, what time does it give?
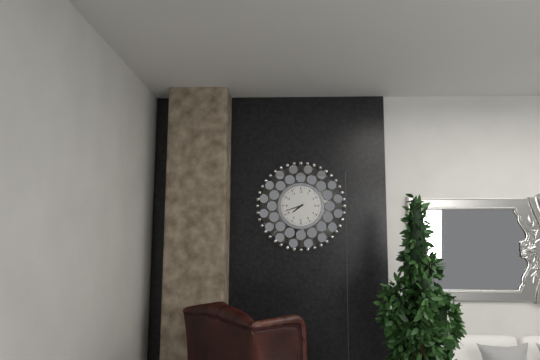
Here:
h=7 m=42
